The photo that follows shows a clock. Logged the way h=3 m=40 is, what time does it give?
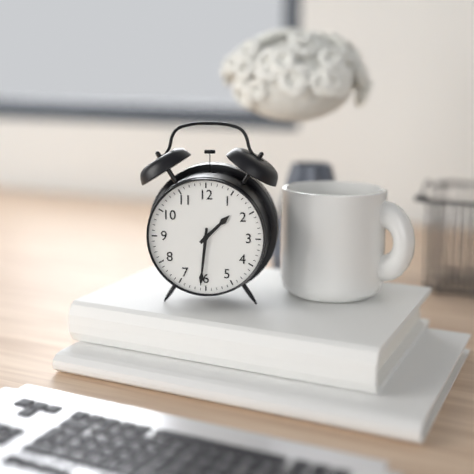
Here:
h=1 m=31
